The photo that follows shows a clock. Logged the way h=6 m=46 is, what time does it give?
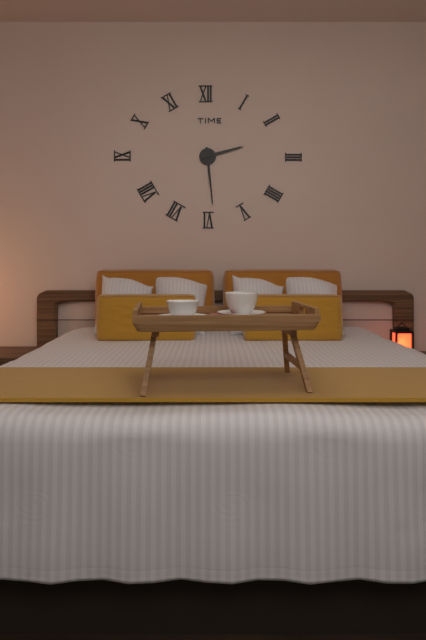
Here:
h=2 m=29
